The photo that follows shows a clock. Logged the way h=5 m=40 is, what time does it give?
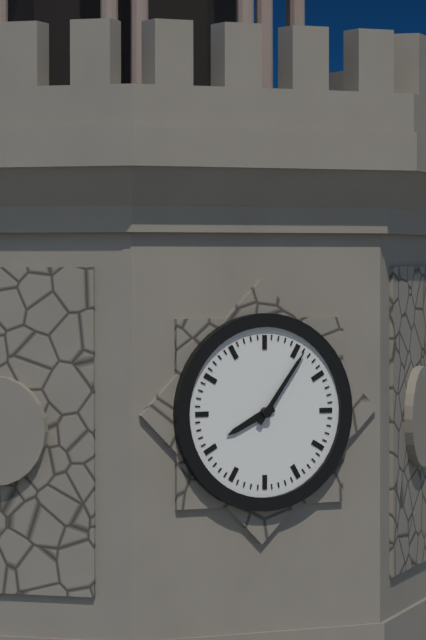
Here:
h=8 m=6
